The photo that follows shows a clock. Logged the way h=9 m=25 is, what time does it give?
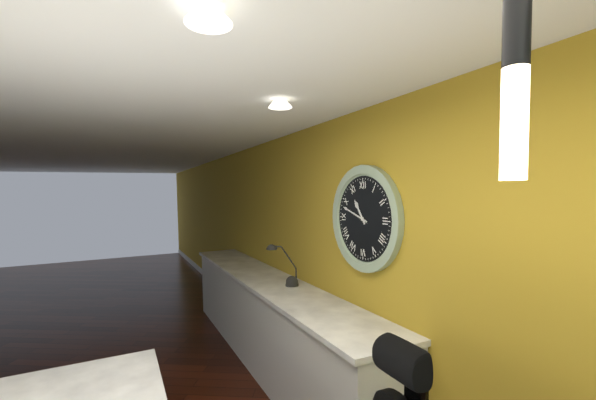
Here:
h=10 m=48
